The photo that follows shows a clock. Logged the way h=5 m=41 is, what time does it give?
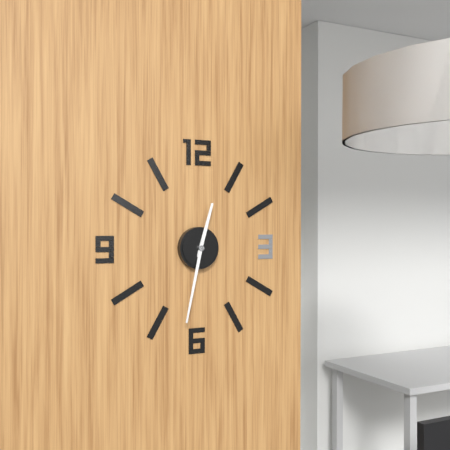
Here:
h=12 m=32
